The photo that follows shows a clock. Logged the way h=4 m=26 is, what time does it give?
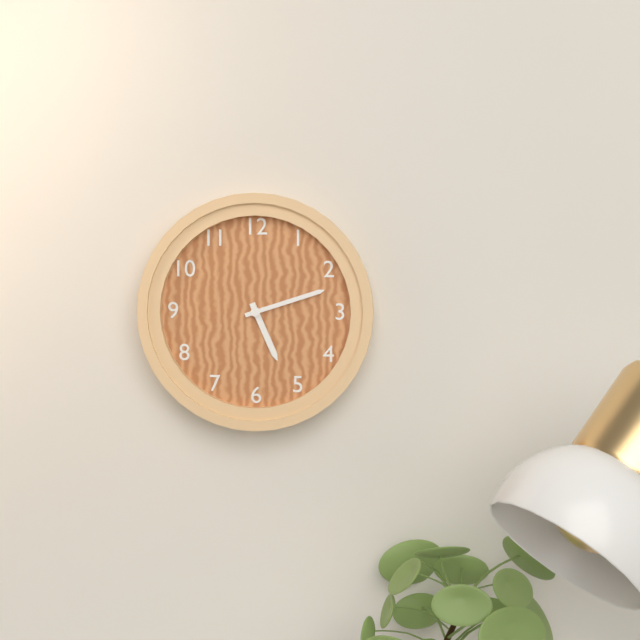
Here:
h=5 m=12
